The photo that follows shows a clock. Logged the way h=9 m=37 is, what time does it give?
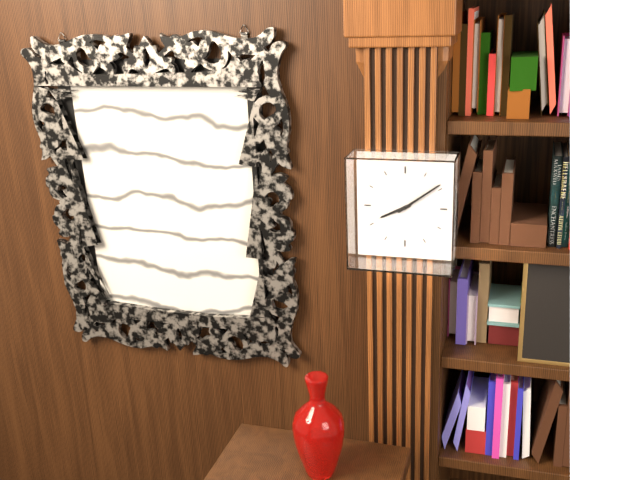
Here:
h=8 m=9
